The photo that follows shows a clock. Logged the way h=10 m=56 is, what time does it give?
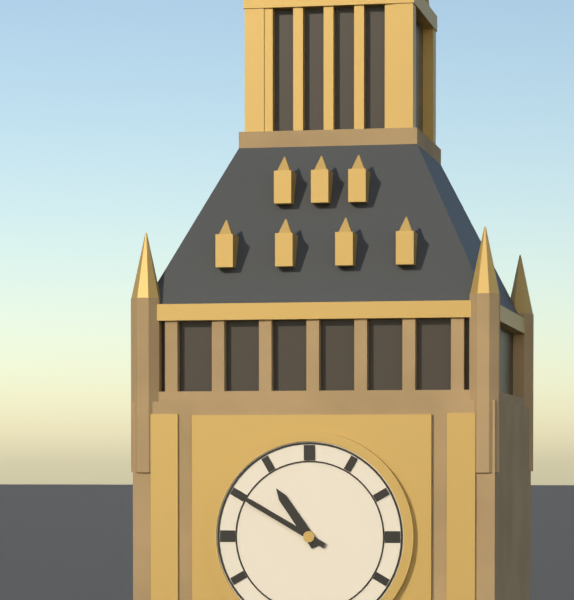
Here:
h=10 m=50
